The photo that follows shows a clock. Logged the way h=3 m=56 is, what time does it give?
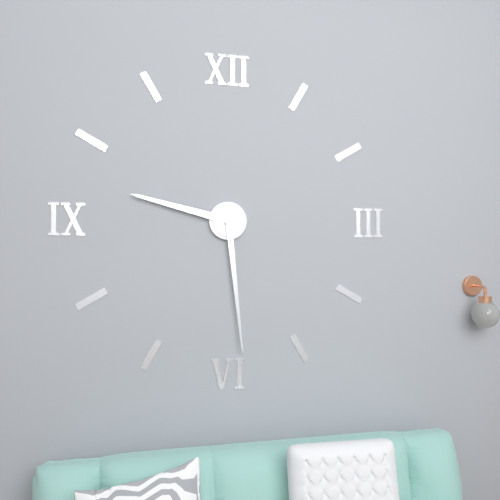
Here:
h=9 m=29
